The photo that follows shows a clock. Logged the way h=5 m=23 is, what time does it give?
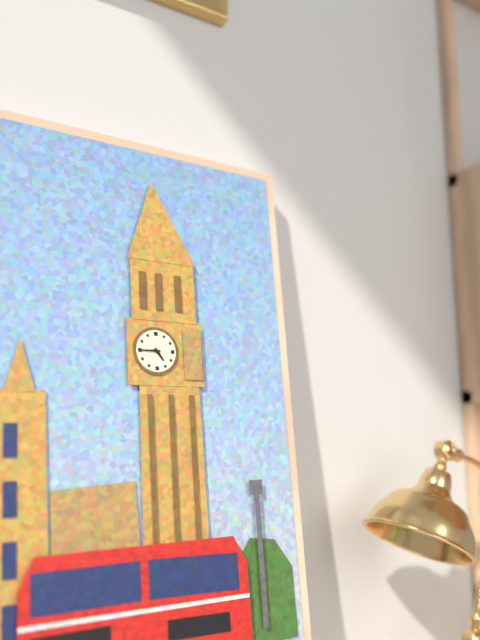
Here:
h=4 m=45
